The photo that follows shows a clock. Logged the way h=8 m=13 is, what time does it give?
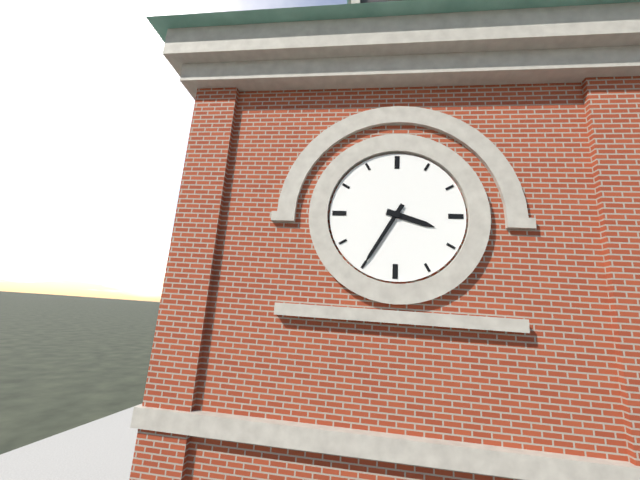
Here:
h=3 m=35
